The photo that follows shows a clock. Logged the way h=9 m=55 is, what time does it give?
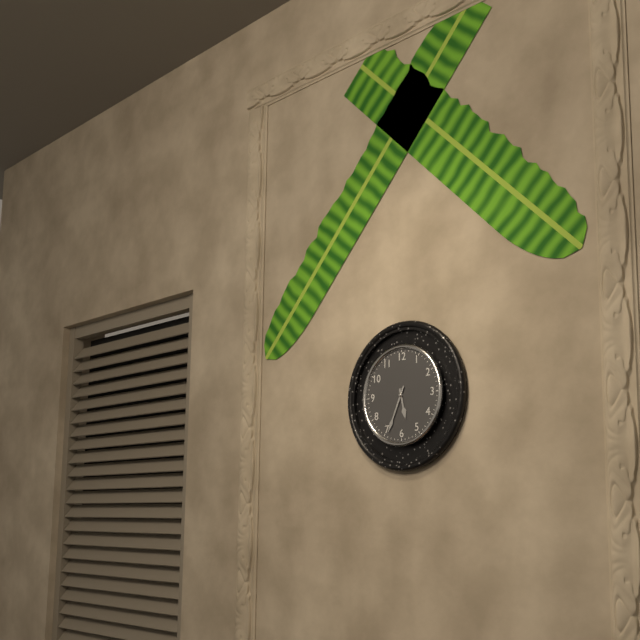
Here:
h=5 m=34
